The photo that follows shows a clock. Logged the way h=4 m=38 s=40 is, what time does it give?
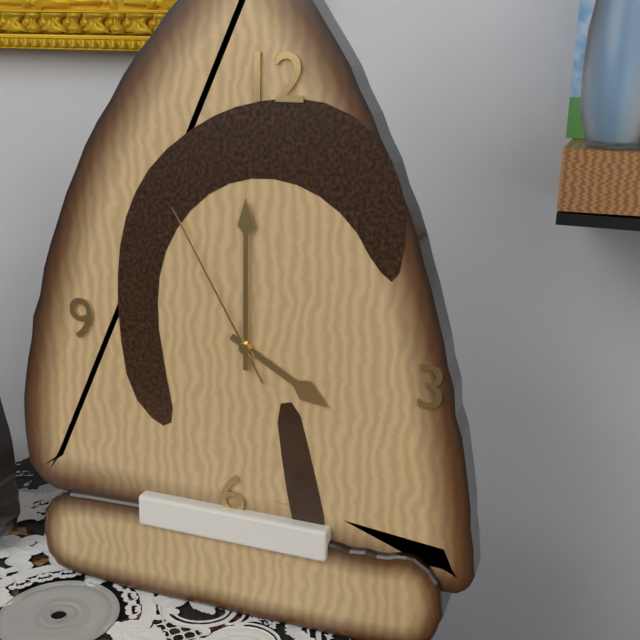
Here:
h=4 m=0 s=55
